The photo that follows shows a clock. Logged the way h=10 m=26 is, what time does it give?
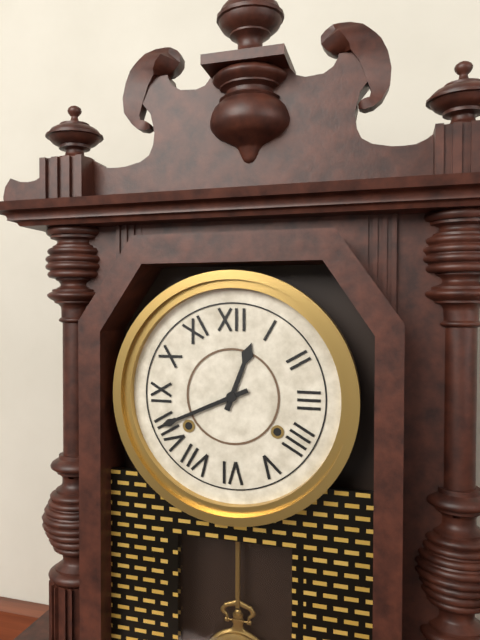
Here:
h=12 m=41
